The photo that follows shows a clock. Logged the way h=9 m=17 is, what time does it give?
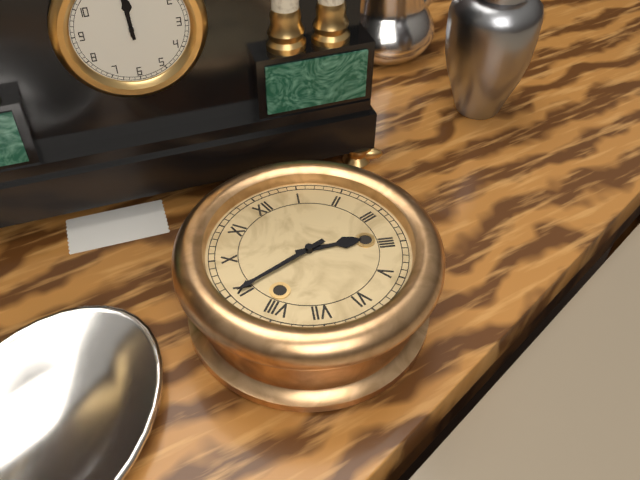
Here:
h=3 m=45
